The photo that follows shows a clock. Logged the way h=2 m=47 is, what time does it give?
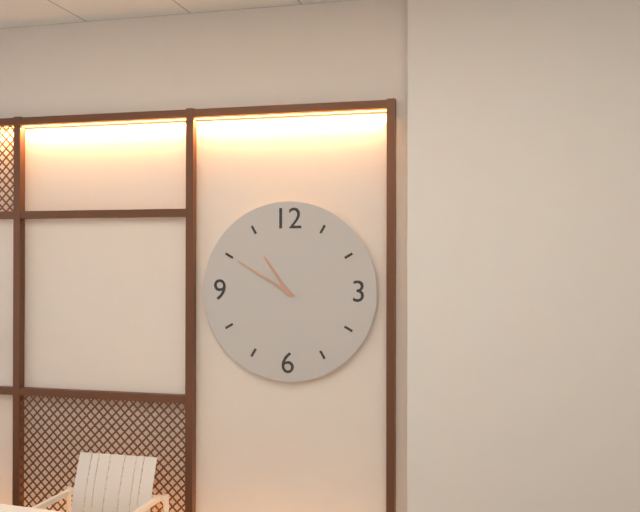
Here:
h=10 m=50
